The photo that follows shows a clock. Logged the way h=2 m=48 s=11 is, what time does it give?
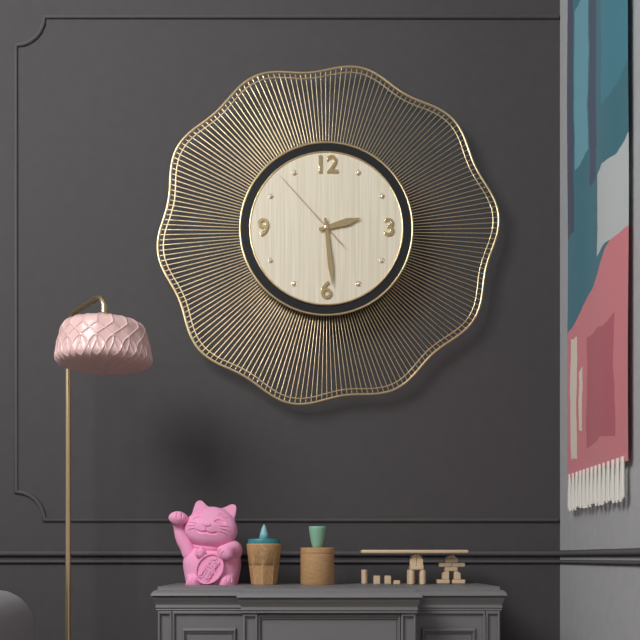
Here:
h=2 m=29 s=53
